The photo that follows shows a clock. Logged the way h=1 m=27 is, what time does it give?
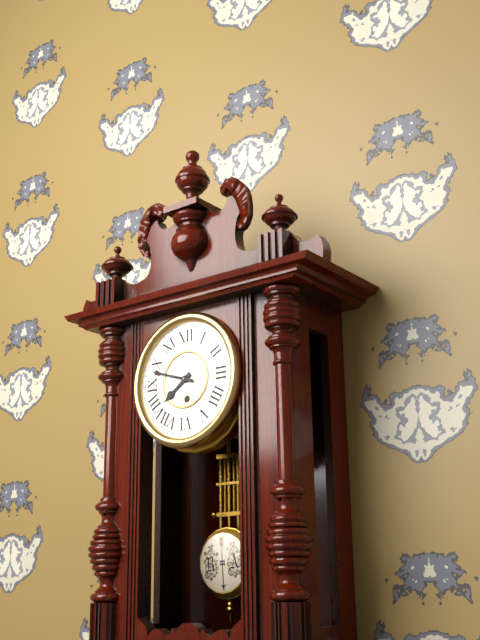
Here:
h=7 m=48
